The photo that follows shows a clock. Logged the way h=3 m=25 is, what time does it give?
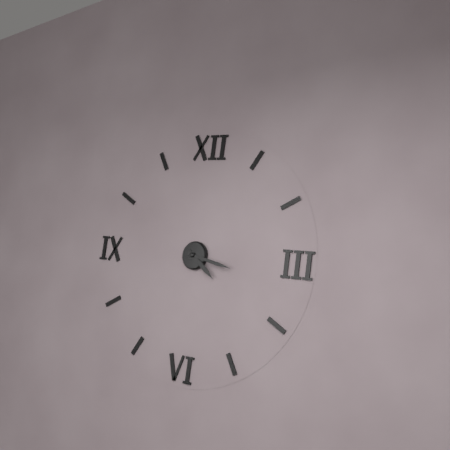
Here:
h=4 m=17
